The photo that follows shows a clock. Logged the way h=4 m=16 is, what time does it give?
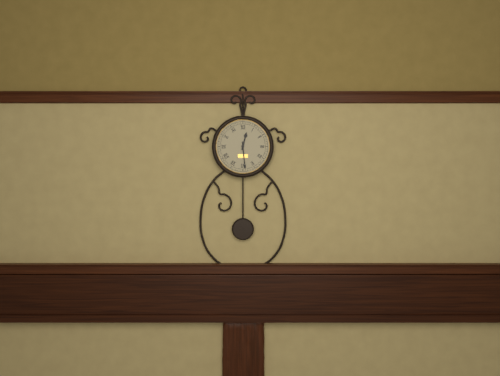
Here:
h=12 m=29
